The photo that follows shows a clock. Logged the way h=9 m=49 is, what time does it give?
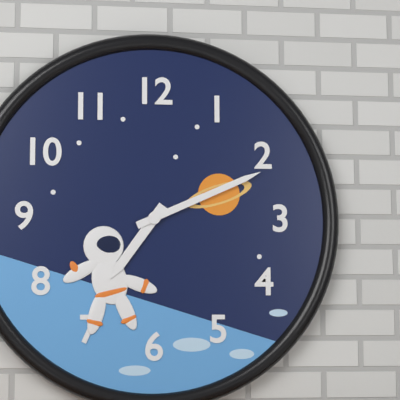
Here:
h=7 m=11
